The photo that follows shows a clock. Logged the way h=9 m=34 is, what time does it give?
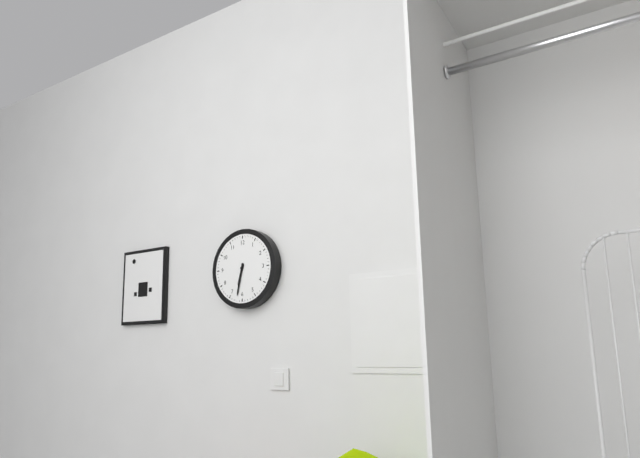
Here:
h=6 m=32
